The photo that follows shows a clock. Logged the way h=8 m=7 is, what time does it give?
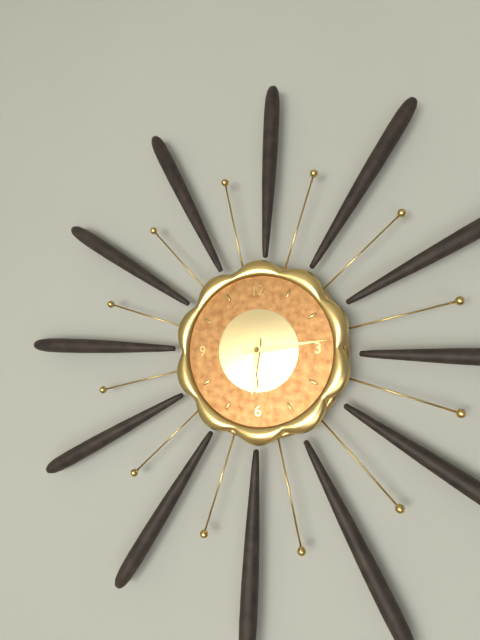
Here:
h=6 m=14
